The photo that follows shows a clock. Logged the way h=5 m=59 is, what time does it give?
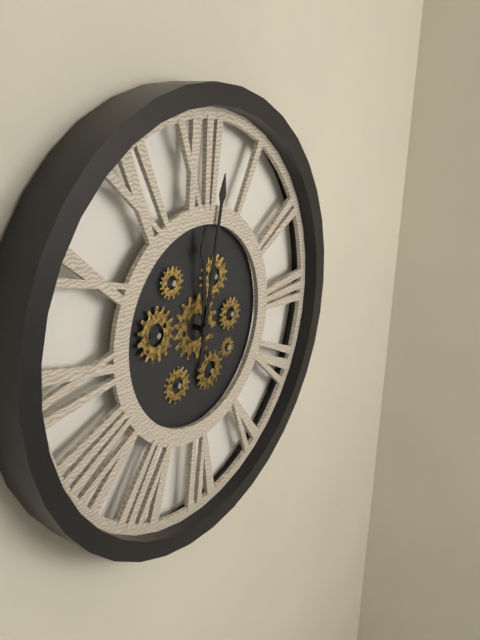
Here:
h=12 m=2
